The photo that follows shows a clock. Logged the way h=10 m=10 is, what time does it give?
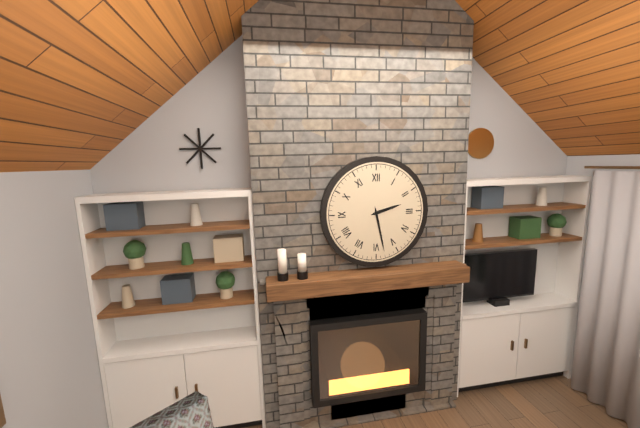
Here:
h=2 m=28
